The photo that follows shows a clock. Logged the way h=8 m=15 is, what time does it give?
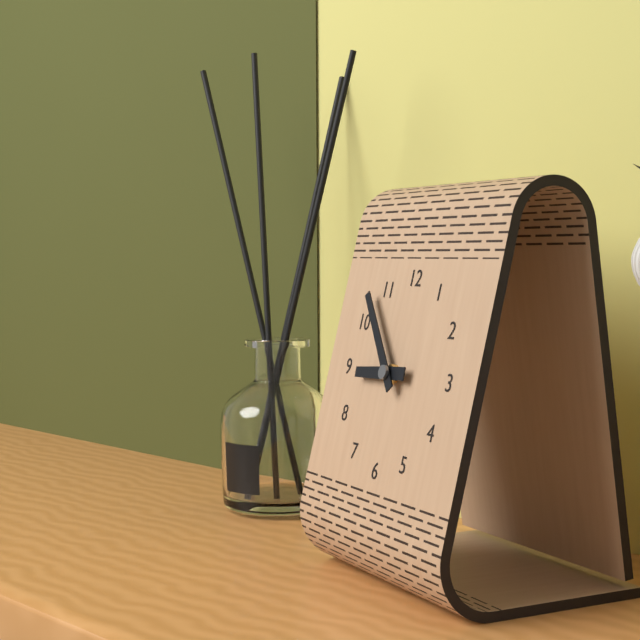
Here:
h=8 m=53
